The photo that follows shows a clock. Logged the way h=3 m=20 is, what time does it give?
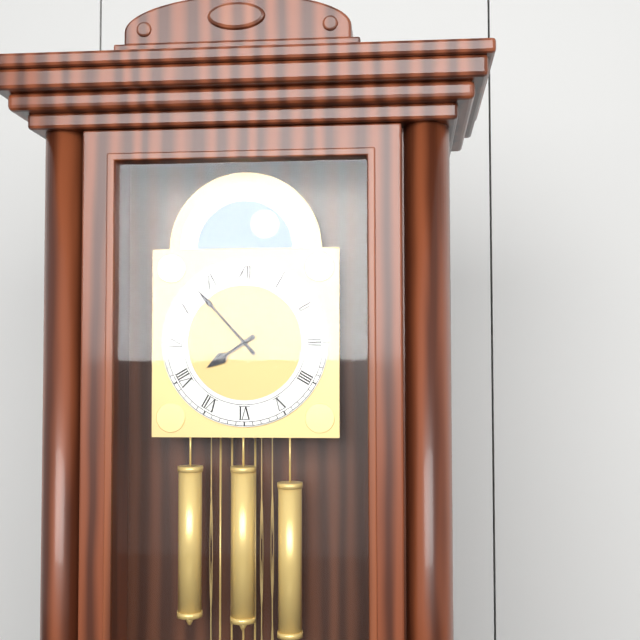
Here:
h=7 m=53
